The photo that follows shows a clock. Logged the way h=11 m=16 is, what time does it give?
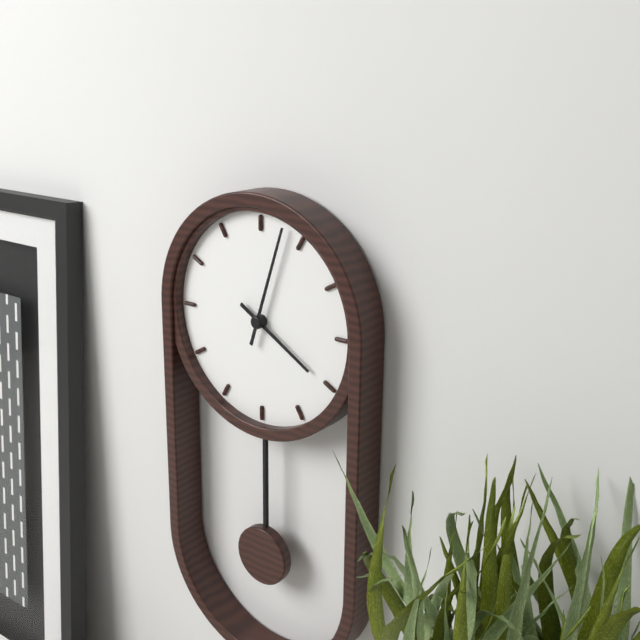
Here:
h=4 m=3
